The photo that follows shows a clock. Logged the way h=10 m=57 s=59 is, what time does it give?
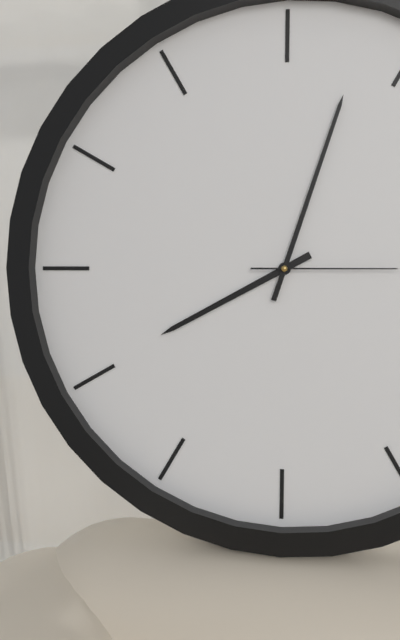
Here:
h=8 m=3 s=15
